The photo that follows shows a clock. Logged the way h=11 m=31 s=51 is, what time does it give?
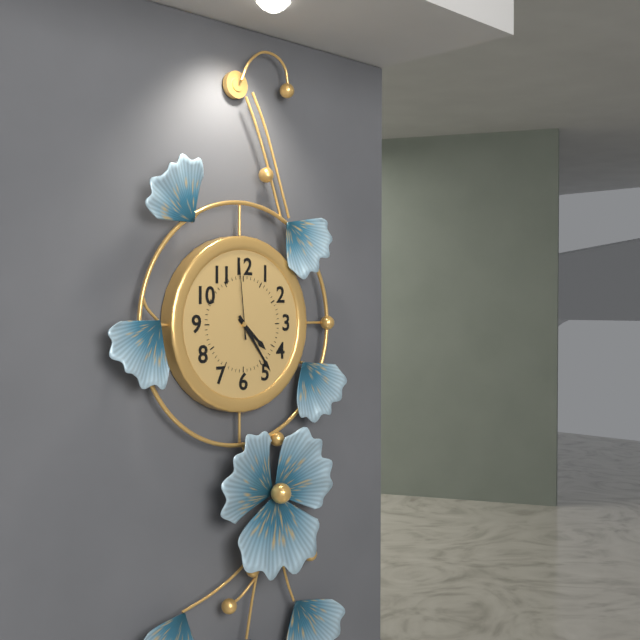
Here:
h=4 m=24 s=59
